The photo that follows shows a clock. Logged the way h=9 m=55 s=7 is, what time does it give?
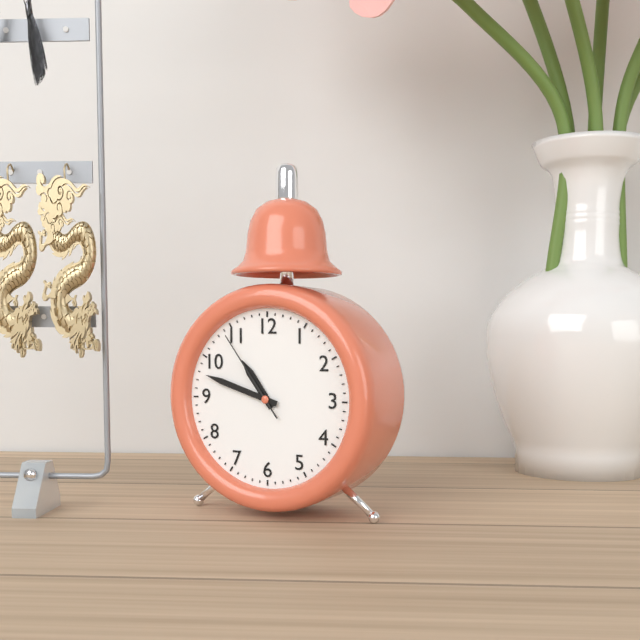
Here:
h=10 m=48 s=54
